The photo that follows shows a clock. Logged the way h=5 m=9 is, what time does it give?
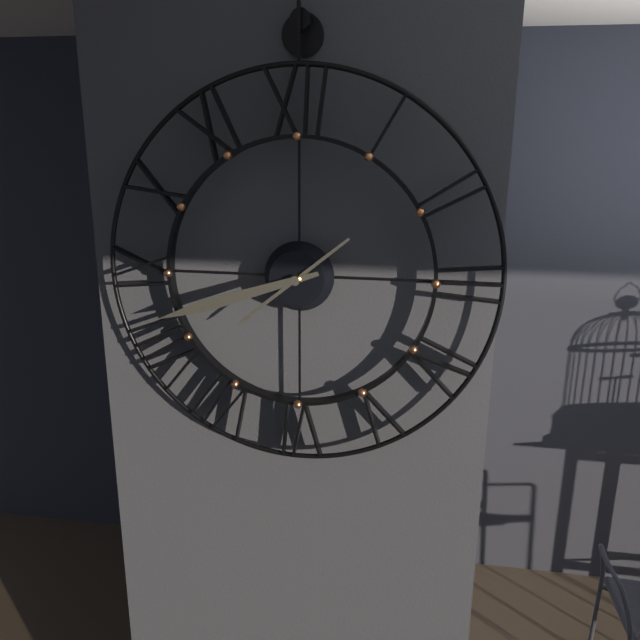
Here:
h=7 m=42
